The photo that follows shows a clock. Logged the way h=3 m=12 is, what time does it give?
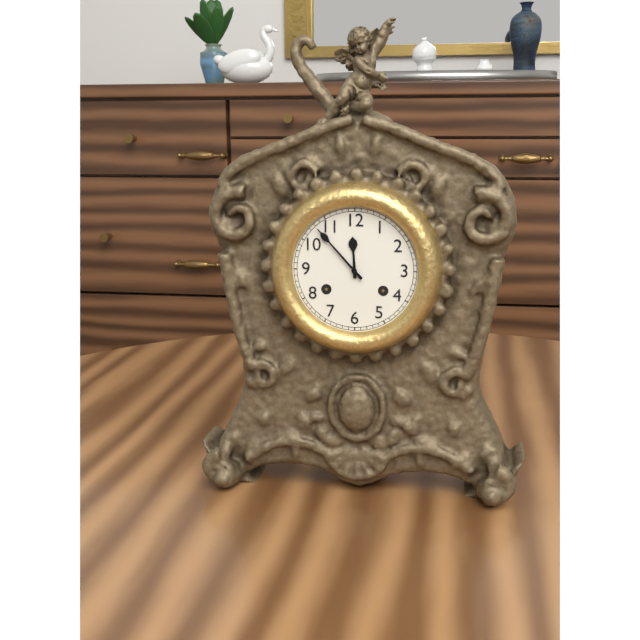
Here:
h=11 m=53
